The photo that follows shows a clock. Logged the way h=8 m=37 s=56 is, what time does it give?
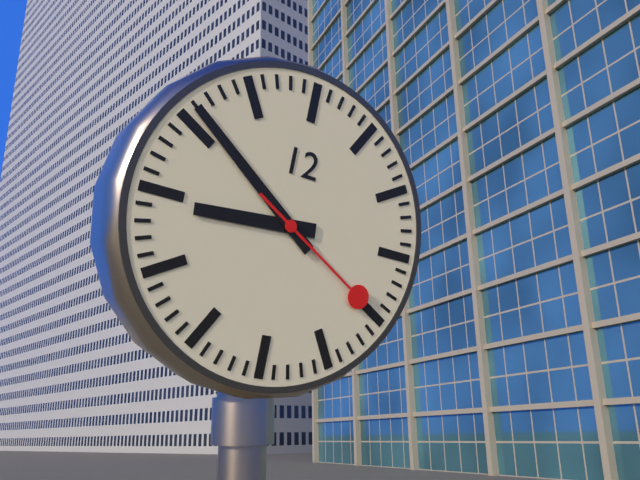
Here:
h=8 m=51 s=20
